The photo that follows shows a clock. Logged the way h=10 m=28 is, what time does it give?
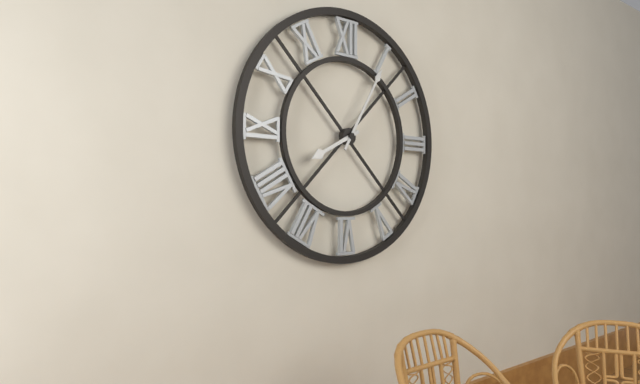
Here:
h=8 m=5
